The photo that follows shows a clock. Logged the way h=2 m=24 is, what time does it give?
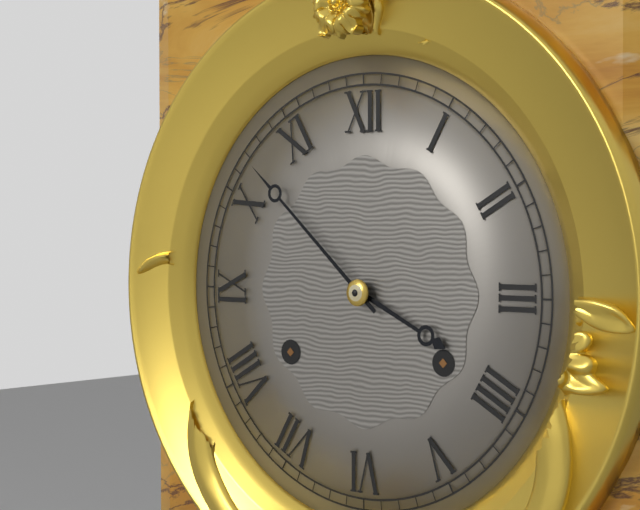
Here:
h=3 m=52
